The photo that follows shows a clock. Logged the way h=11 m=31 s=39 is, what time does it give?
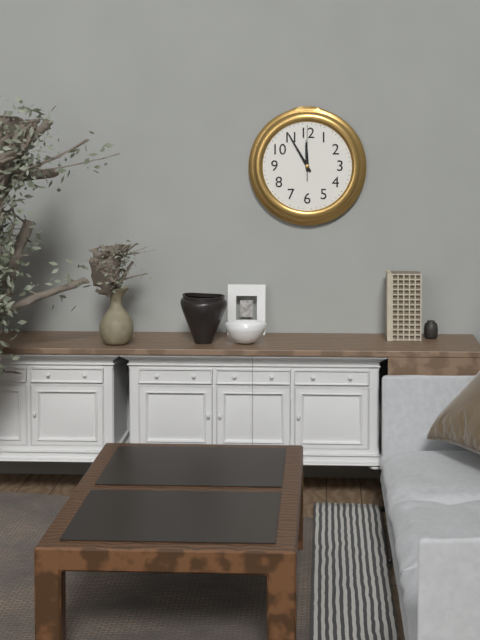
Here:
h=11 m=55 s=0
